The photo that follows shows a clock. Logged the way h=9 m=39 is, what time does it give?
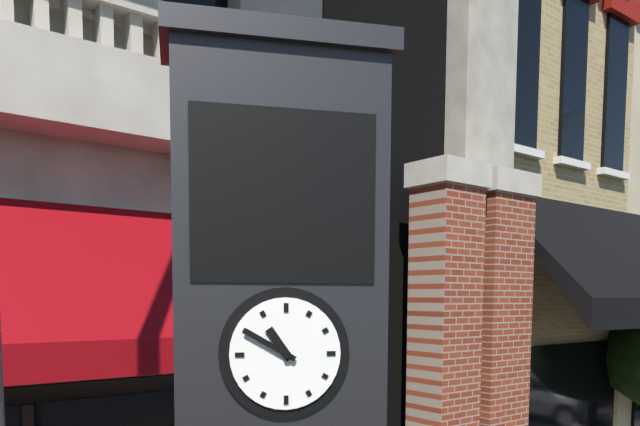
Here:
h=10 m=50
